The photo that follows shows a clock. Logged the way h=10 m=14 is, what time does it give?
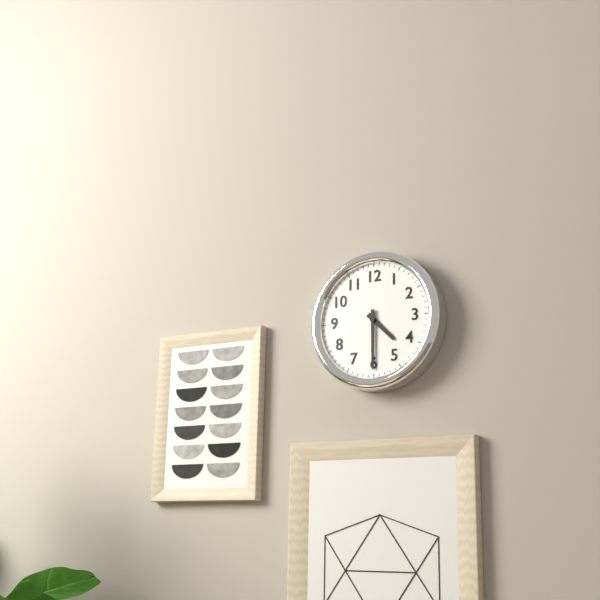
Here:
h=4 m=30
